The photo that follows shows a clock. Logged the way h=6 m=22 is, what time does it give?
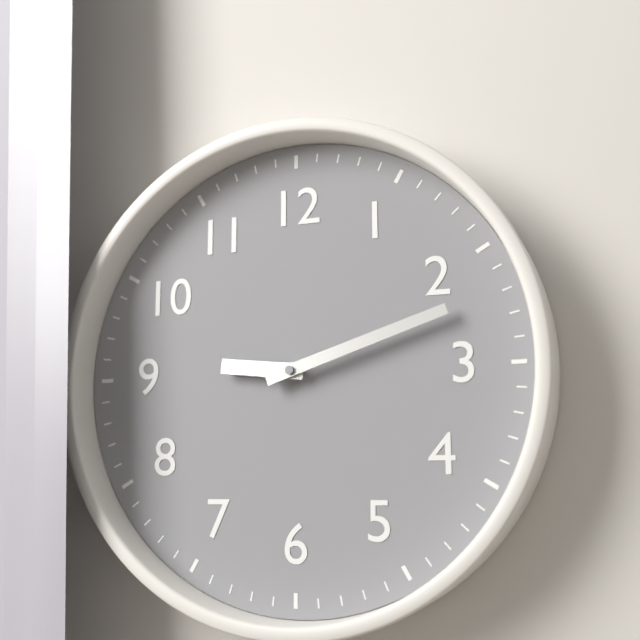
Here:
h=9 m=12
